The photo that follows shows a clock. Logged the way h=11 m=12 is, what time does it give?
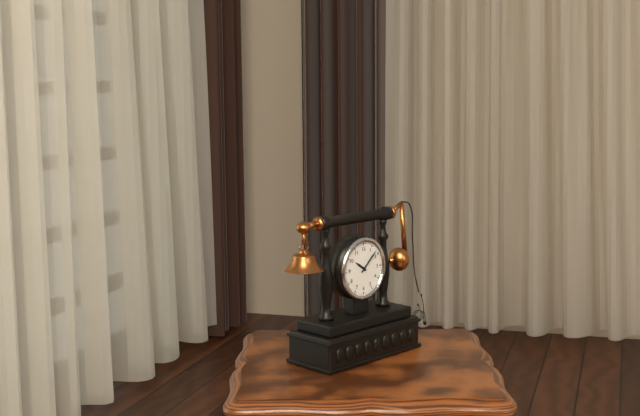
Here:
h=10 m=8
